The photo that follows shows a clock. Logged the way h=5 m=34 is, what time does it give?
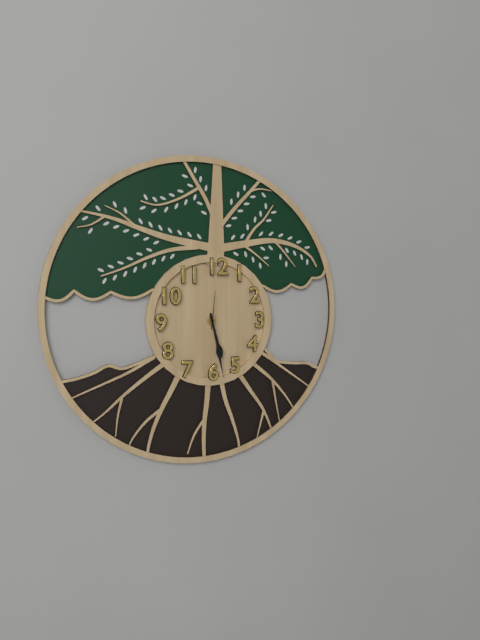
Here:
h=5 m=28
